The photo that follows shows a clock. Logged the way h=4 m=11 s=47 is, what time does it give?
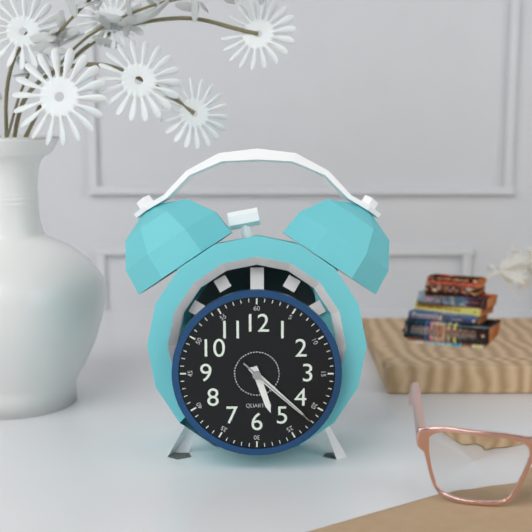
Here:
h=5 m=22 s=22
